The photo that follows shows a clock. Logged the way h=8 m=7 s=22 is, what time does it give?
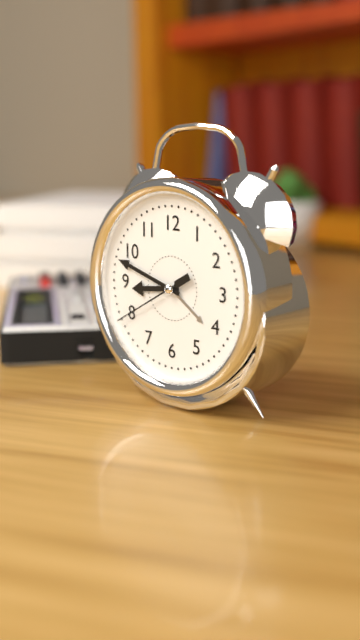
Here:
h=8 m=48 s=40
